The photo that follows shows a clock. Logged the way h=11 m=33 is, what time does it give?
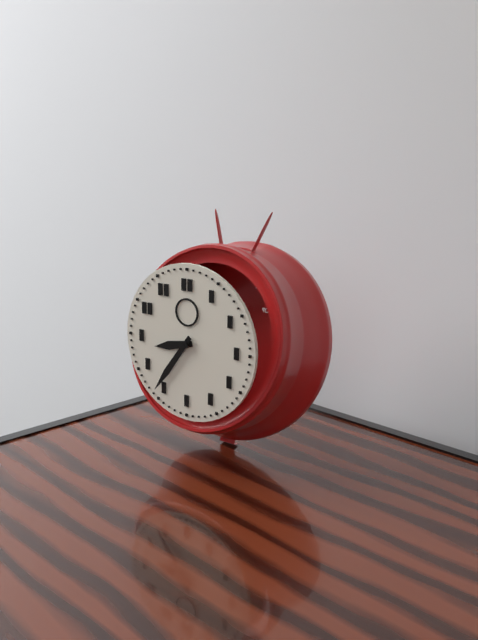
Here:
h=8 m=36
